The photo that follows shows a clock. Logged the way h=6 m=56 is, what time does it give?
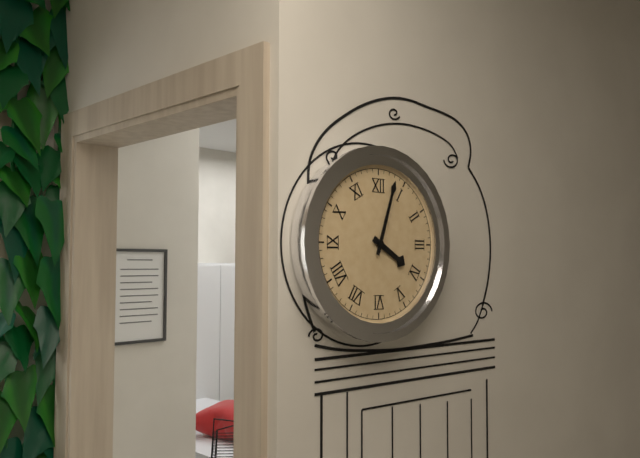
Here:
h=4 m=3
